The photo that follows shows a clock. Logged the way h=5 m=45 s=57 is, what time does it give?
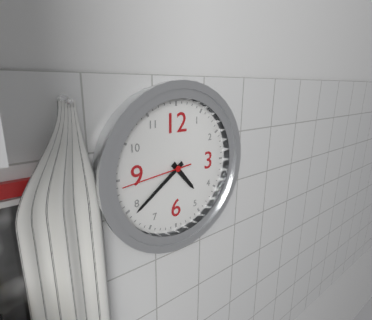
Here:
h=4 m=39 s=44
